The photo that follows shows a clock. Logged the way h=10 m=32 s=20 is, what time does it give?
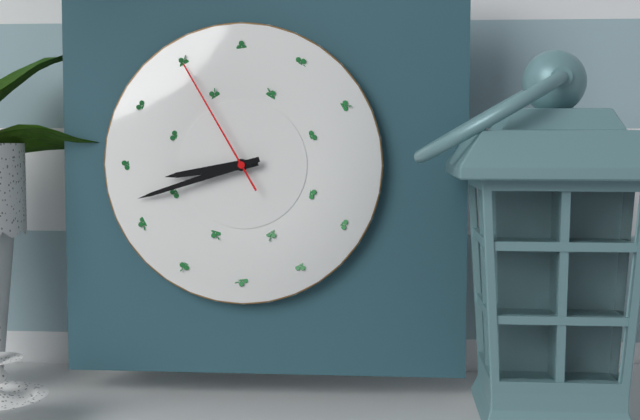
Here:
h=8 m=42 s=55
